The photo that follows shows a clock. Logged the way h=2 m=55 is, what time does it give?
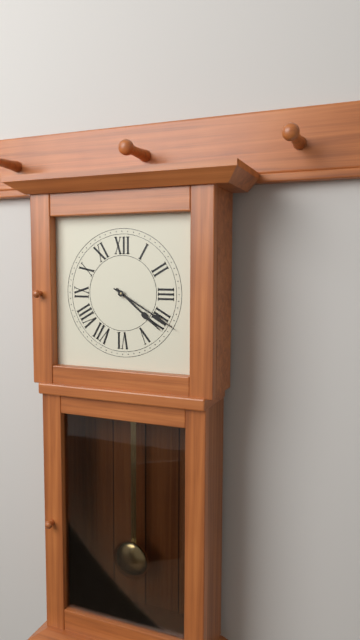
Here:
h=4 m=20
